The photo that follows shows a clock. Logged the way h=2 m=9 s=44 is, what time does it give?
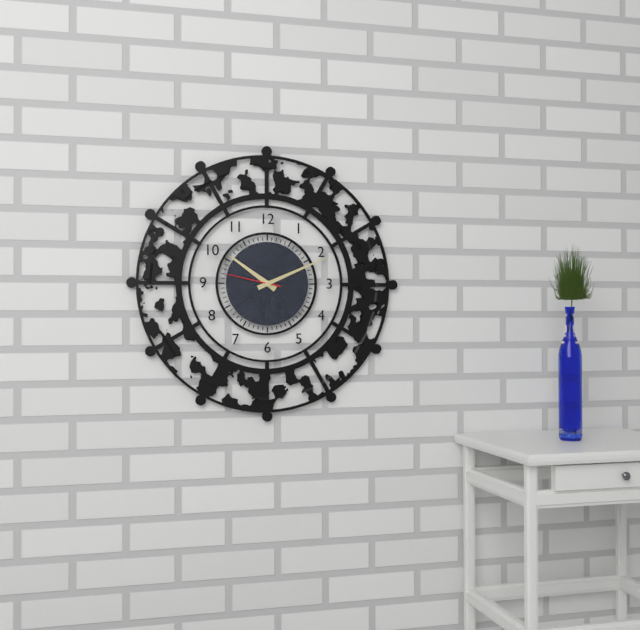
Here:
h=10 m=11 s=47
